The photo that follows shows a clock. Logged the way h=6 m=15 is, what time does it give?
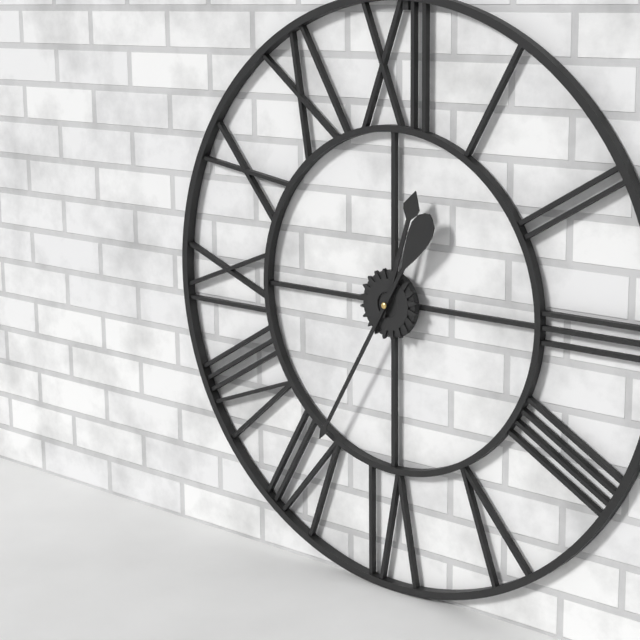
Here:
h=12 m=35
